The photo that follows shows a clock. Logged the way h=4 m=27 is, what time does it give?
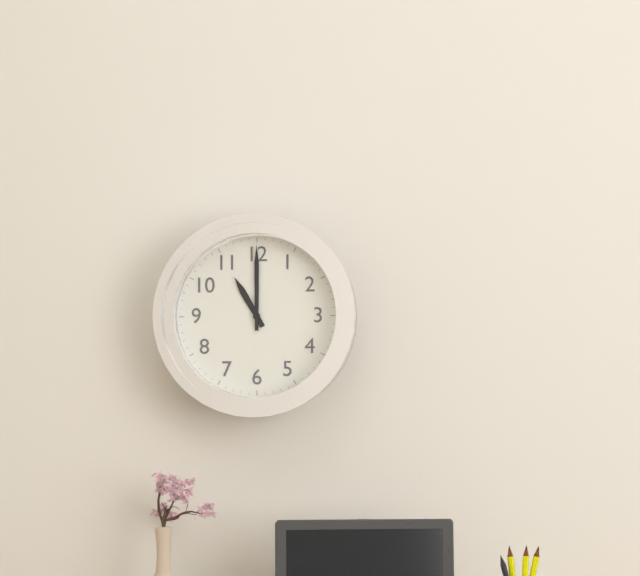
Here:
h=11 m=0
